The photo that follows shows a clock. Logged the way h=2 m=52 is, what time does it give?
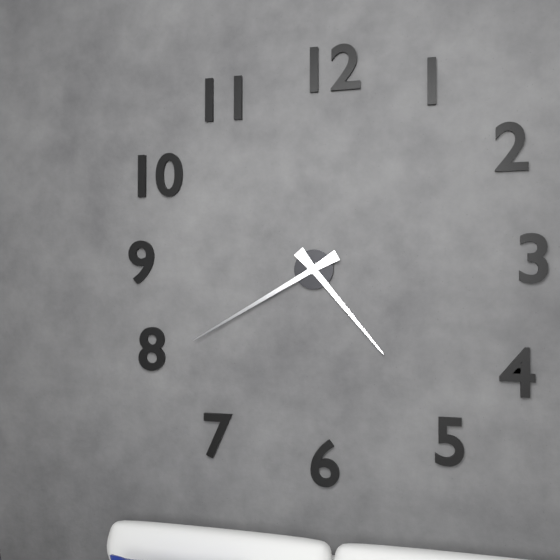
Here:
h=4 m=40
